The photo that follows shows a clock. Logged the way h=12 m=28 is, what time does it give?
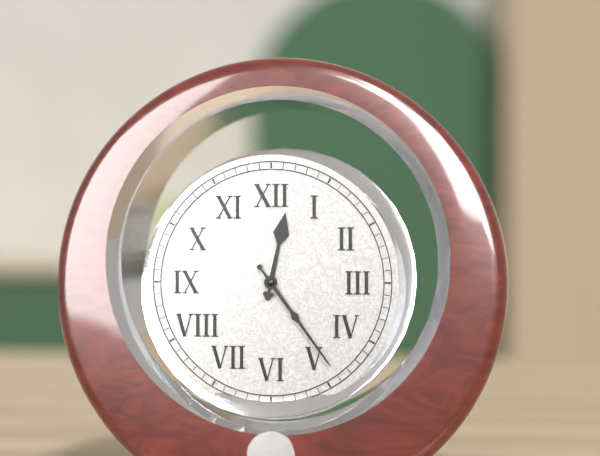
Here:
h=12 m=24
